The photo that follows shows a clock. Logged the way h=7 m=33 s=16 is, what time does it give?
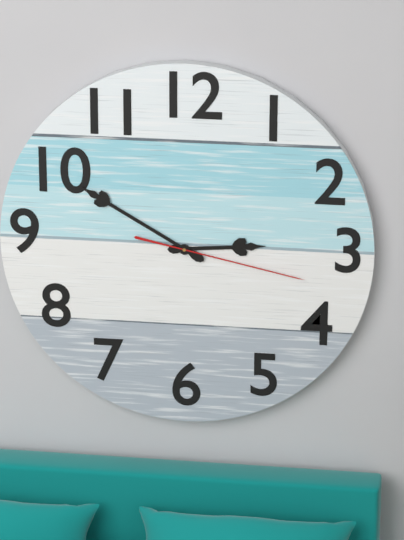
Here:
h=2 m=50 s=17
